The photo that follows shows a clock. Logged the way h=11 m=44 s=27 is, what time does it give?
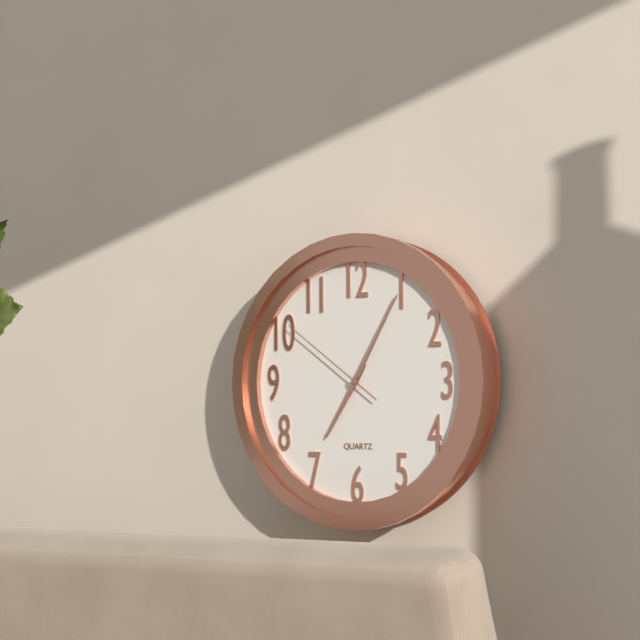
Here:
h=7 m=5 s=51
